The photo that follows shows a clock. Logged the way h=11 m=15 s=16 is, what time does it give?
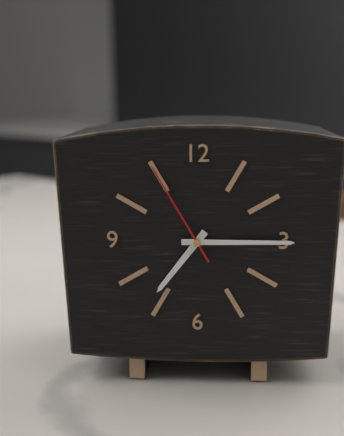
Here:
h=7 m=15 s=55
